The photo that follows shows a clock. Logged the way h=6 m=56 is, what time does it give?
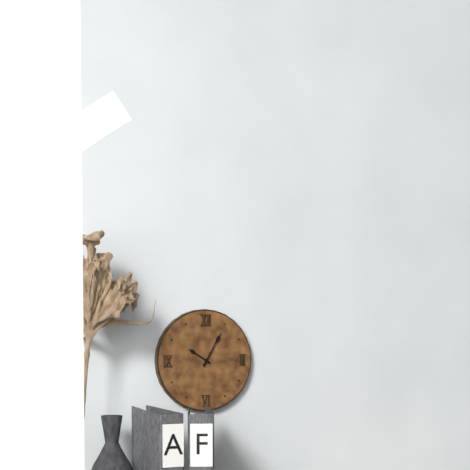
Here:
h=10 m=5
